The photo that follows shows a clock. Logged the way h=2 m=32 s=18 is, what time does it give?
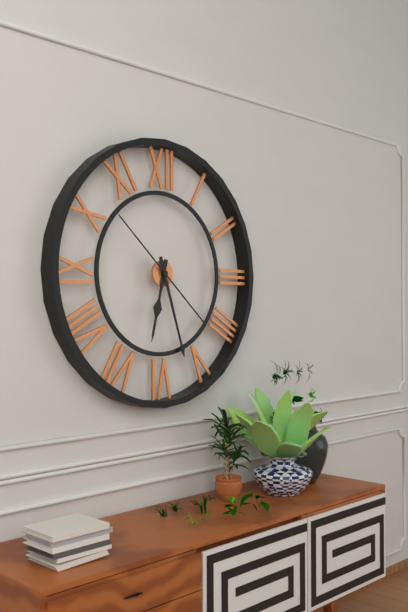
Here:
h=6 m=27 s=52
